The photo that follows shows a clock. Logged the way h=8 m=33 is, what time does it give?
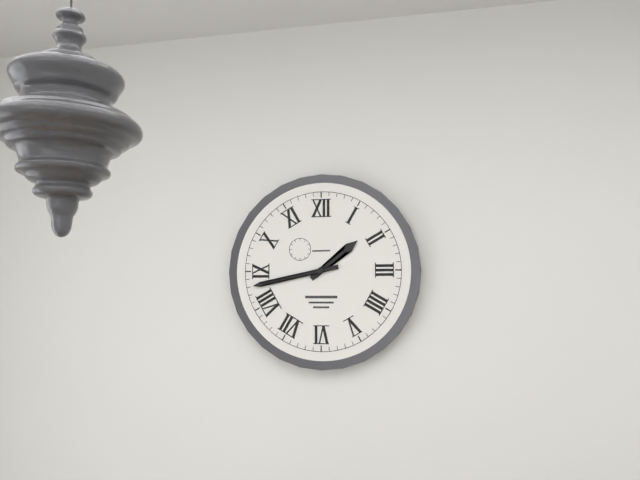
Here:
h=1 m=43
